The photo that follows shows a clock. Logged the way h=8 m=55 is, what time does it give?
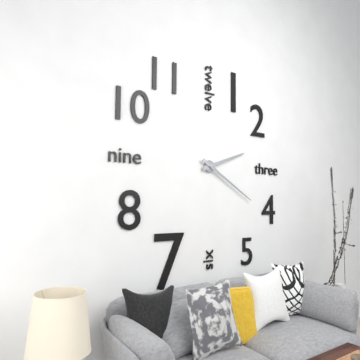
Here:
h=2 m=20
